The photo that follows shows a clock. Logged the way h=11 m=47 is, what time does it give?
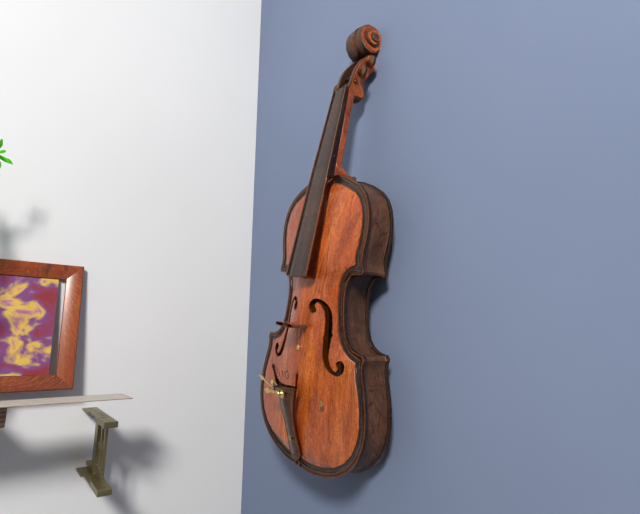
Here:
h=8 m=47
